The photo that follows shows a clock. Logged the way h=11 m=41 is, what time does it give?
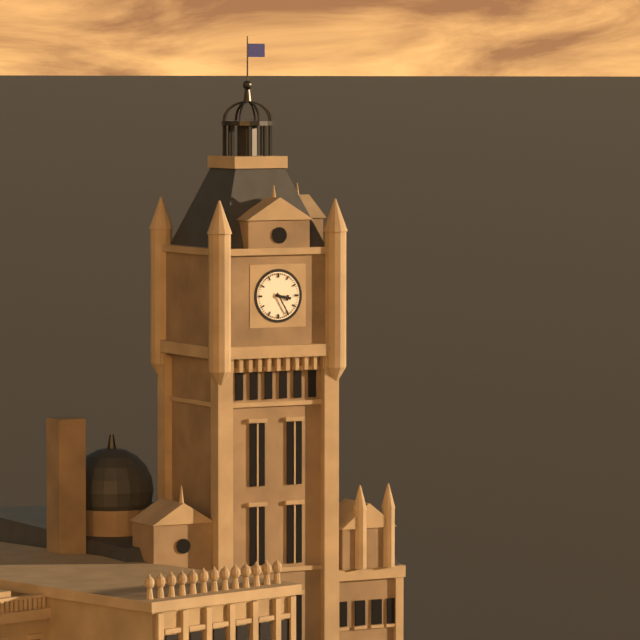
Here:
h=3 m=25
